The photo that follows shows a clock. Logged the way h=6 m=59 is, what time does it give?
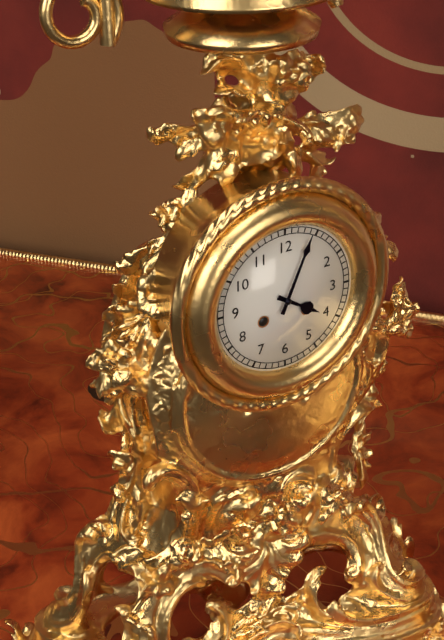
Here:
h=4 m=4
